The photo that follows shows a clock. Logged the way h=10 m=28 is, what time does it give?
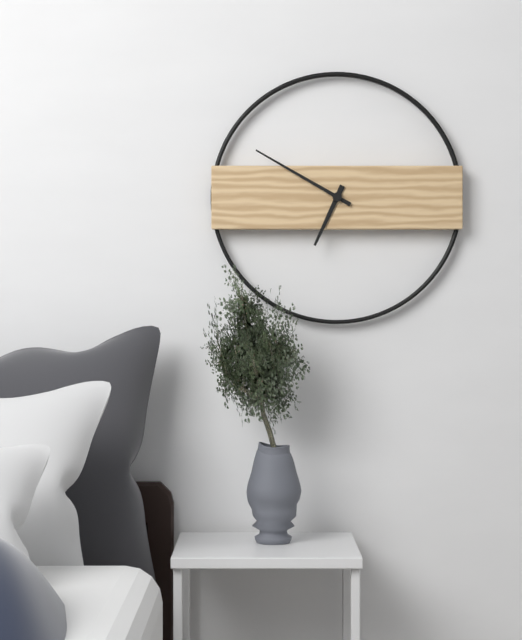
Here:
h=6 m=50
